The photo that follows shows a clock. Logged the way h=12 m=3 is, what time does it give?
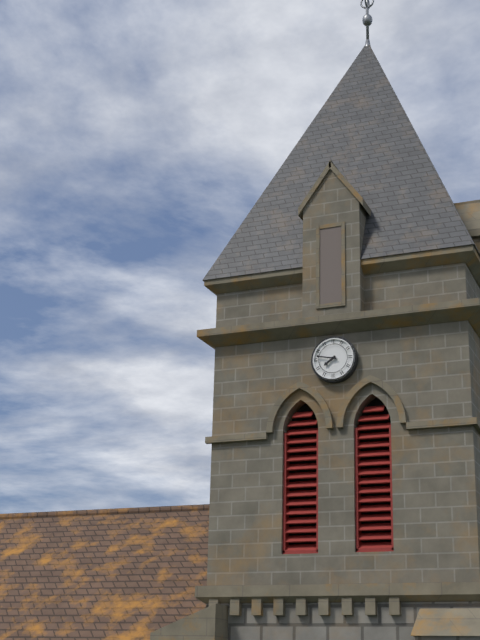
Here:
h=7 m=47
